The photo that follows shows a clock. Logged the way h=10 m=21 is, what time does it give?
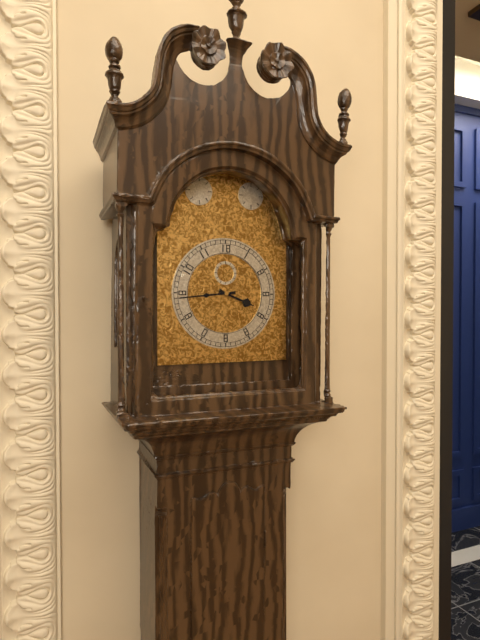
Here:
h=3 m=44
